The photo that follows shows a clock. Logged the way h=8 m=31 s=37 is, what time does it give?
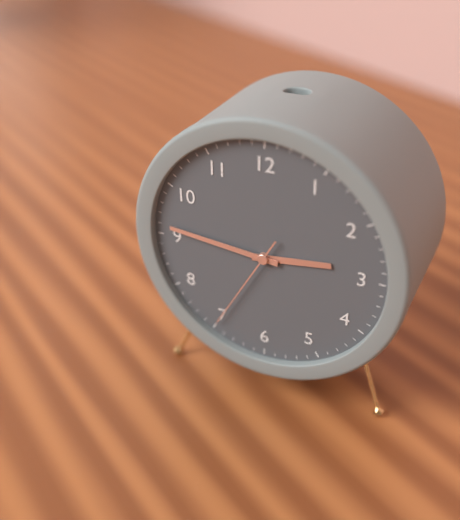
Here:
h=2 m=46 s=35
